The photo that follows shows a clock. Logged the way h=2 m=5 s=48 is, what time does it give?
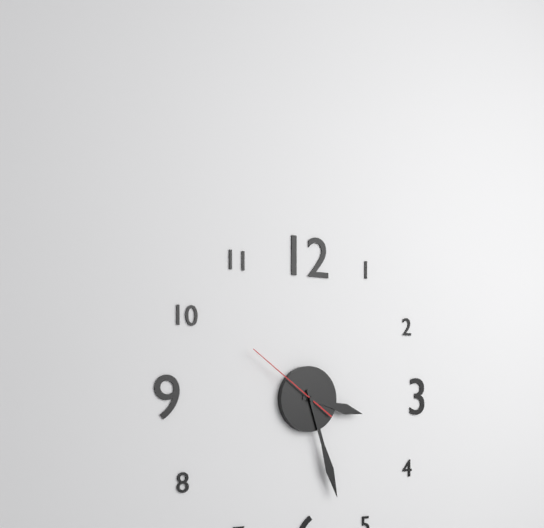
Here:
h=3 m=27 s=51
